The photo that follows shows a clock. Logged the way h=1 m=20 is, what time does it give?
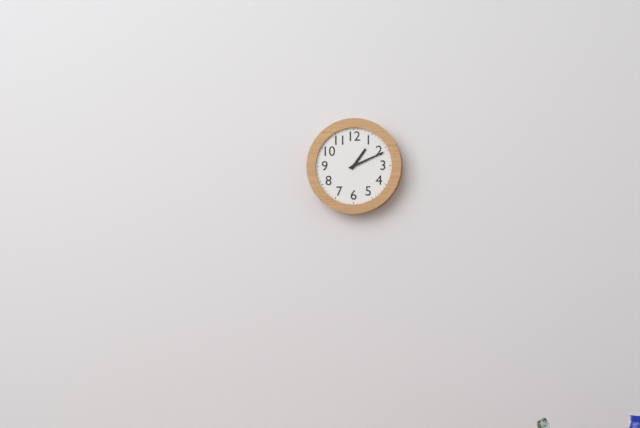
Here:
h=1 m=11
